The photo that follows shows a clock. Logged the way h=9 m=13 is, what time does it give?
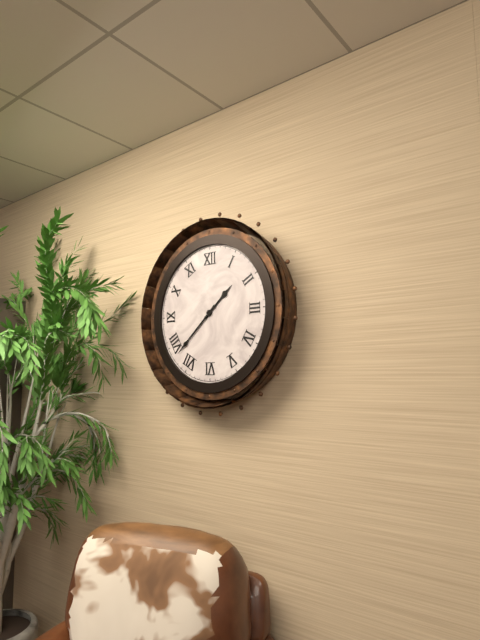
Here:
h=1 m=38
